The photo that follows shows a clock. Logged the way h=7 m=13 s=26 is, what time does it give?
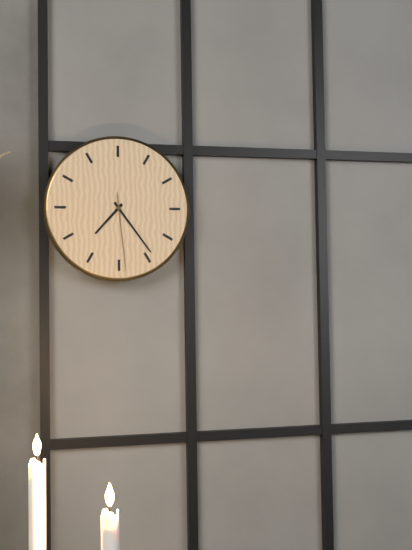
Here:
h=7 m=24 s=29
